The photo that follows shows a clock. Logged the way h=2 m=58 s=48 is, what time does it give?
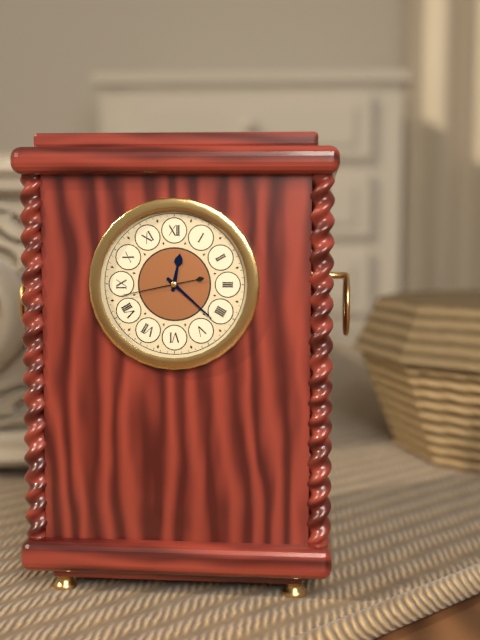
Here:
h=12 m=22 s=43
